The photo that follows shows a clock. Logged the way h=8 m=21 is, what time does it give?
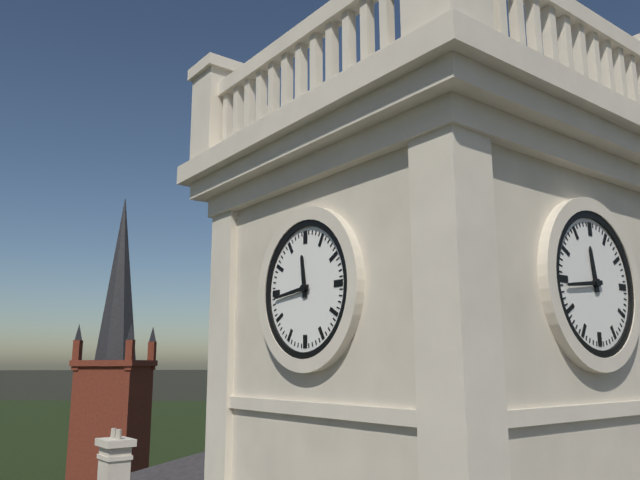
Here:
h=11 m=44
